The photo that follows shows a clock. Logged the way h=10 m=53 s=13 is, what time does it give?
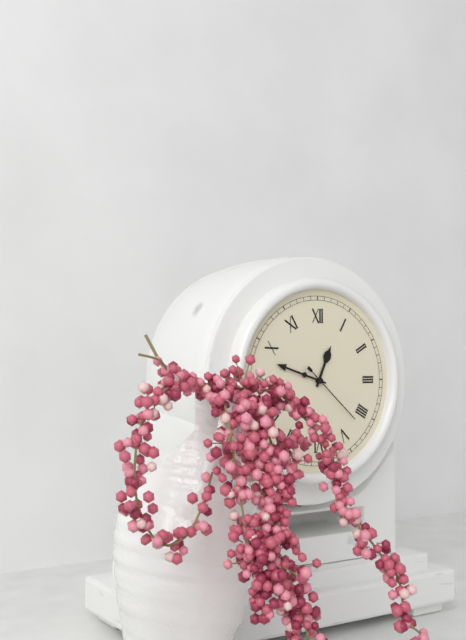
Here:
h=12 m=48 s=22
